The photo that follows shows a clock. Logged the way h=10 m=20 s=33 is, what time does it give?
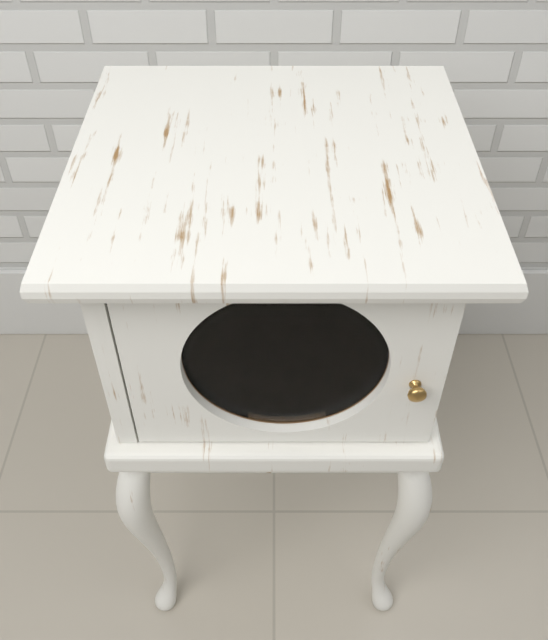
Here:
h=9 m=58 s=22
